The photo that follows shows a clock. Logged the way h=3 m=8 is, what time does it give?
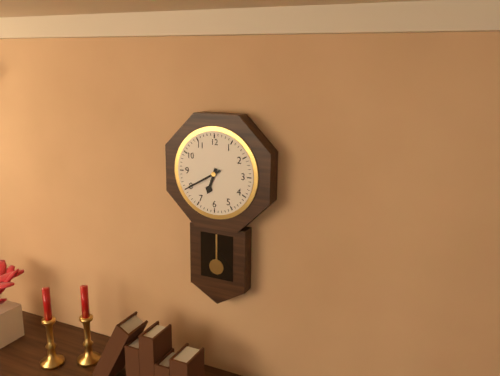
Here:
h=6 m=40
